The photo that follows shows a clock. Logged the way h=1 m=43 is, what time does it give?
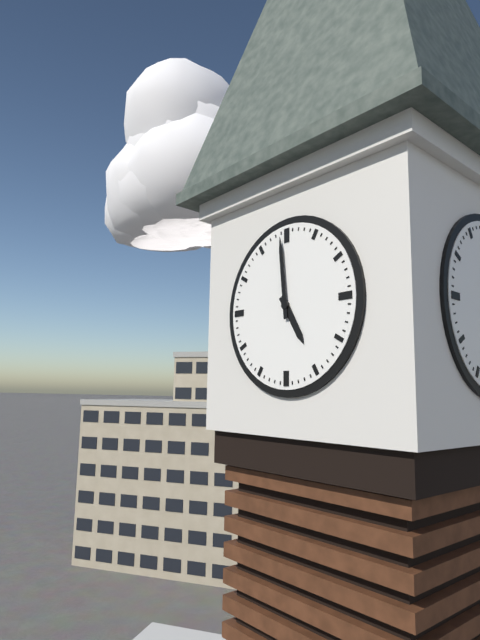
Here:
h=4 m=59
